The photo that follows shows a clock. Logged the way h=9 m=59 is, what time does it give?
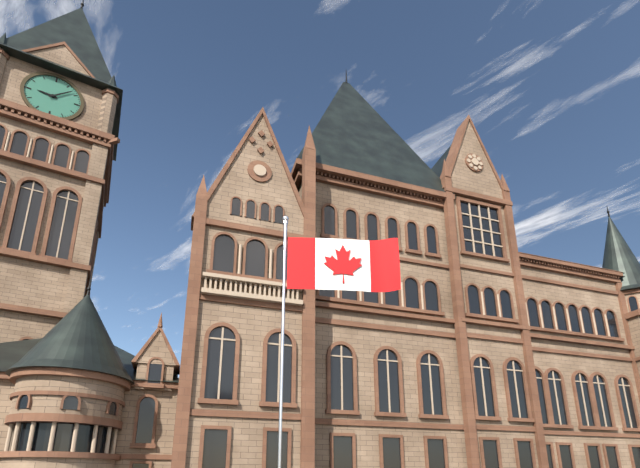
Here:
h=9 m=8
